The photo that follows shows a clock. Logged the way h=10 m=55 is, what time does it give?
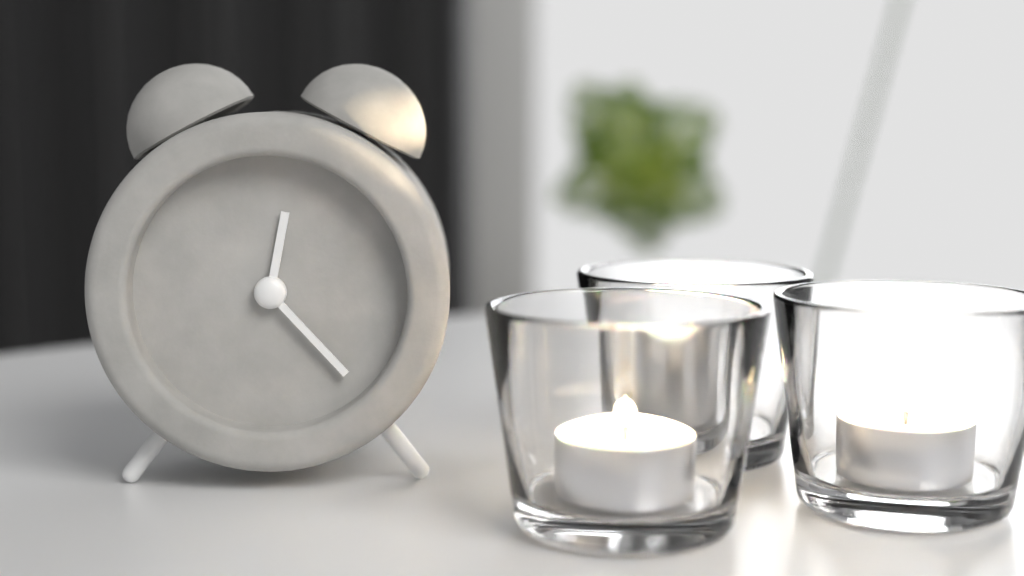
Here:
h=12 m=23
